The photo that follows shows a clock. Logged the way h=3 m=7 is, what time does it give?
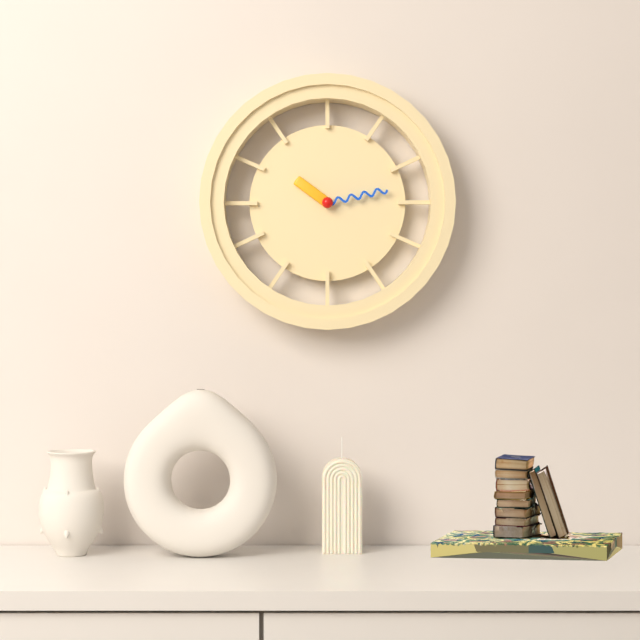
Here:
h=10 m=13
